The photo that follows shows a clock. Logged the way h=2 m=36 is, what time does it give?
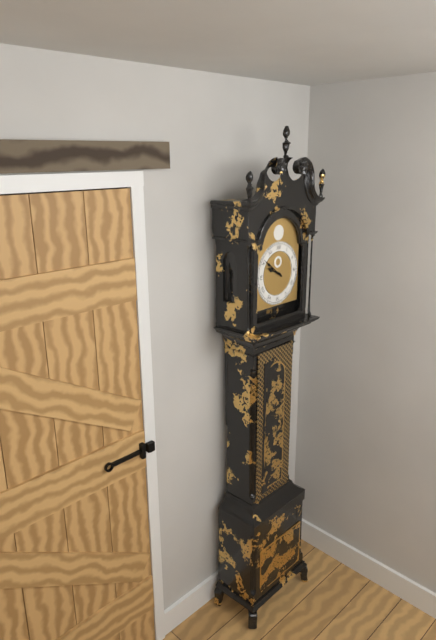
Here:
h=9 m=51
